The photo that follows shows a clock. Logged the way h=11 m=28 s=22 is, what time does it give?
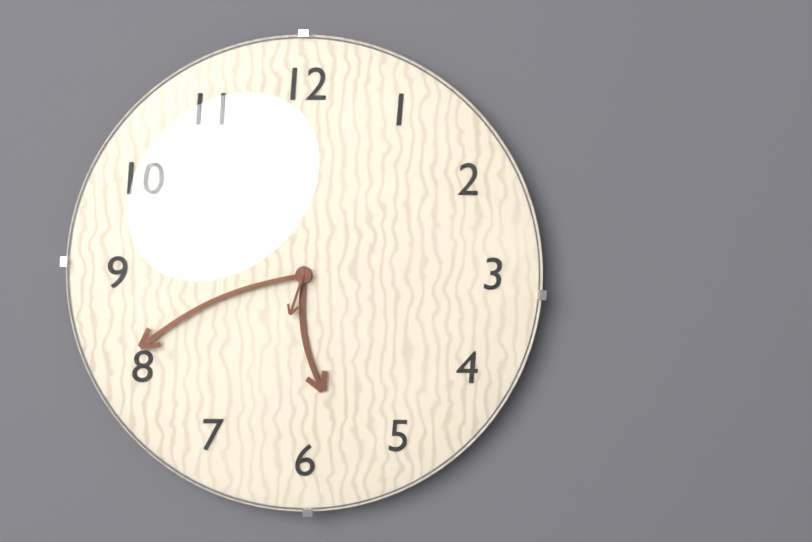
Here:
h=5 m=41 s=33
